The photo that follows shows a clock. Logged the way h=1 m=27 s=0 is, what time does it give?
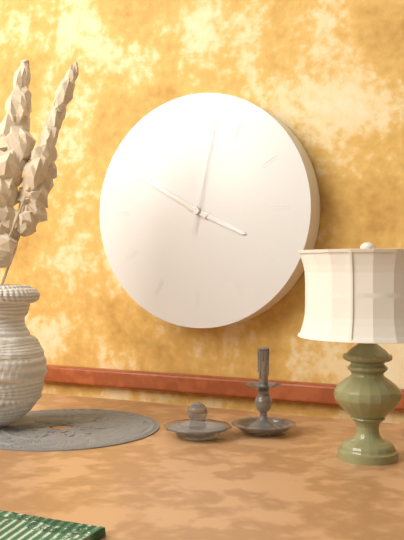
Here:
h=3 m=50 s=2
